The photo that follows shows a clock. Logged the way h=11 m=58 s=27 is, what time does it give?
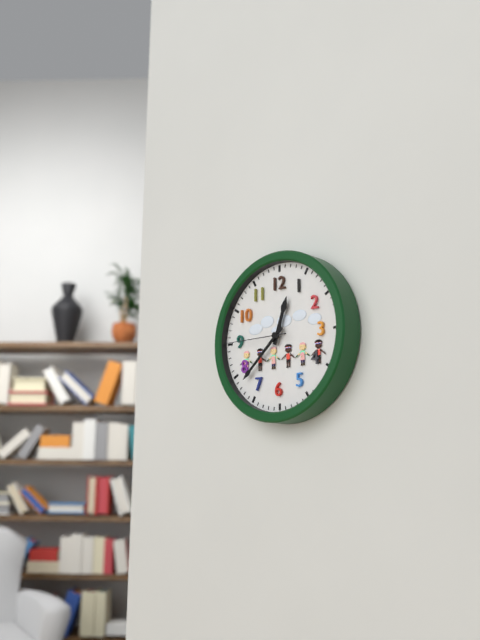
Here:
h=12 m=38 s=45
